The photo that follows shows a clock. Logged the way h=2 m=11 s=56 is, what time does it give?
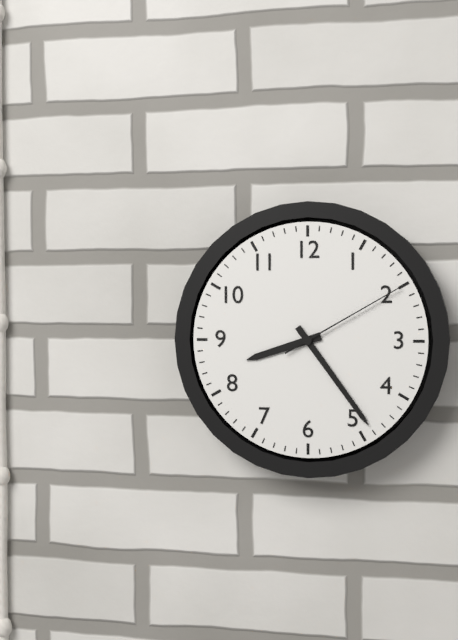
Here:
h=8 m=24 s=10
